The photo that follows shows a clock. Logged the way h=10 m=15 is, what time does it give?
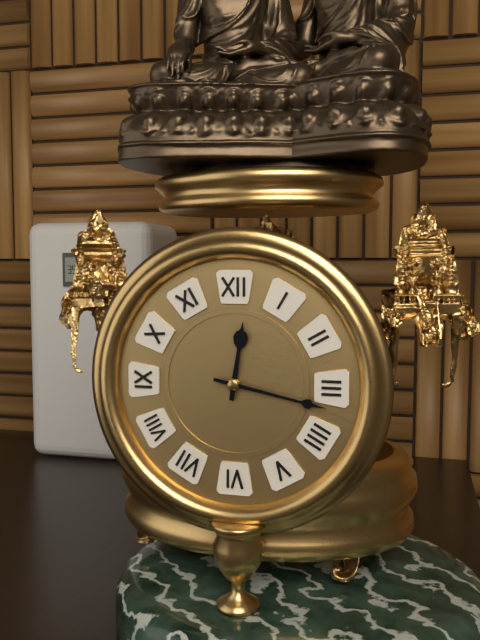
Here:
h=12 m=17
